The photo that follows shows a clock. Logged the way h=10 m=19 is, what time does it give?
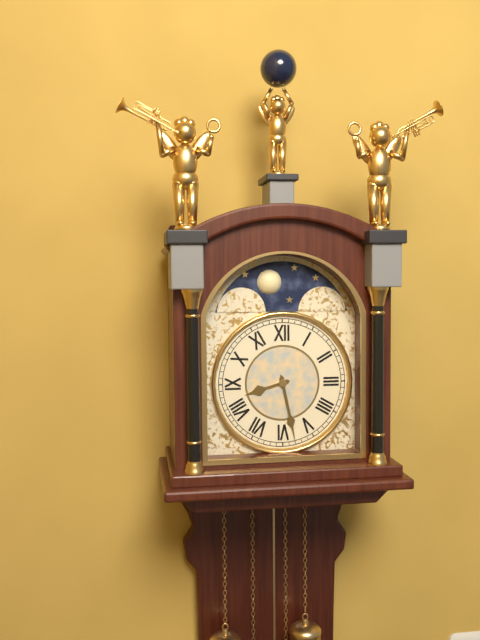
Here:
h=8 m=28
